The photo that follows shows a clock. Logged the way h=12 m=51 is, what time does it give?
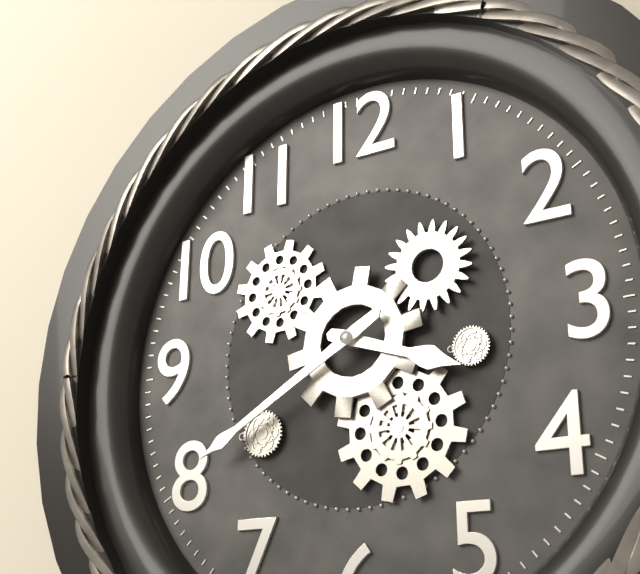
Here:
h=3 m=40
